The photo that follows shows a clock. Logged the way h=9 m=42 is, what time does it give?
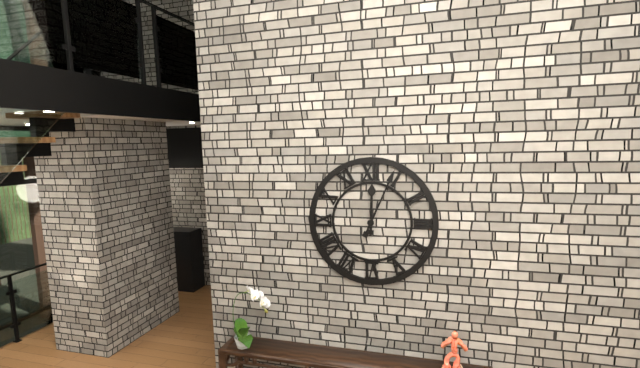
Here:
h=12 m=4
